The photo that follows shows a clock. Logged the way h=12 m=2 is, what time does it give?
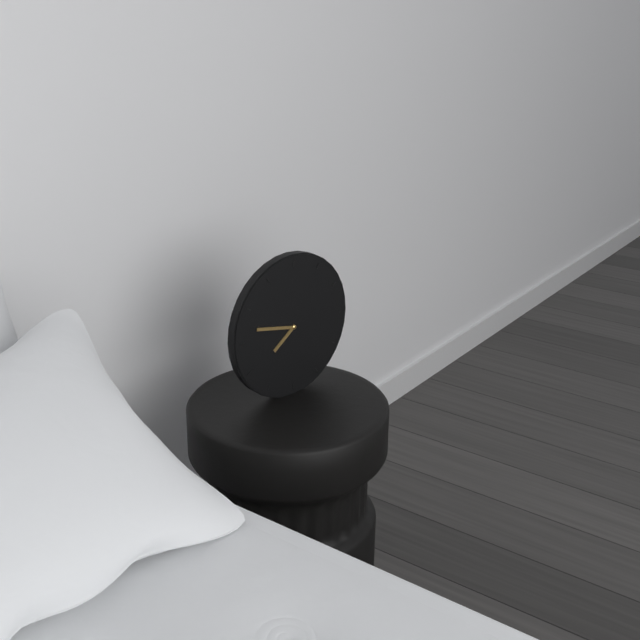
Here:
h=7 m=47
